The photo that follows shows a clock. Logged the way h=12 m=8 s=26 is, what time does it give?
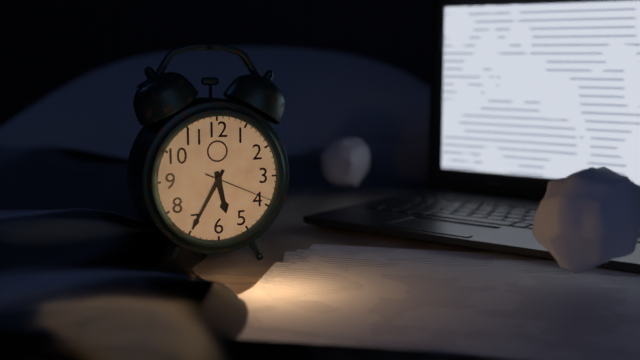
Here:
h=5 m=35 s=19
